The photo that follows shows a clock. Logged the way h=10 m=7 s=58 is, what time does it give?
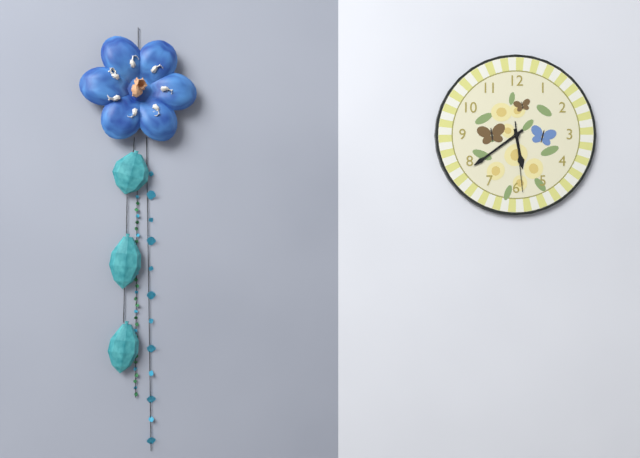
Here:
h=5 m=39 s=29
